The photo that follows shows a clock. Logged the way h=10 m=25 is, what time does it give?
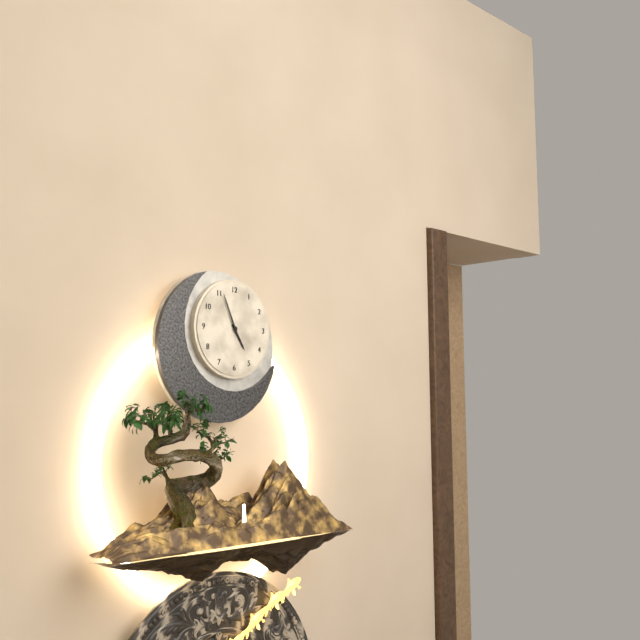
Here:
h=4 m=56
